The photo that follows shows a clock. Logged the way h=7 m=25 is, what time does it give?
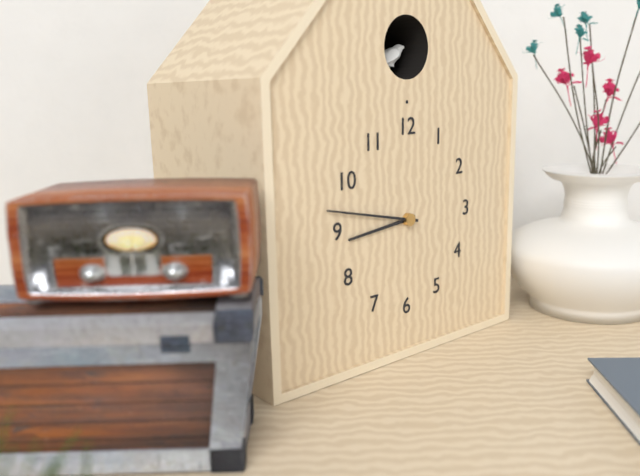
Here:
h=8 m=47
